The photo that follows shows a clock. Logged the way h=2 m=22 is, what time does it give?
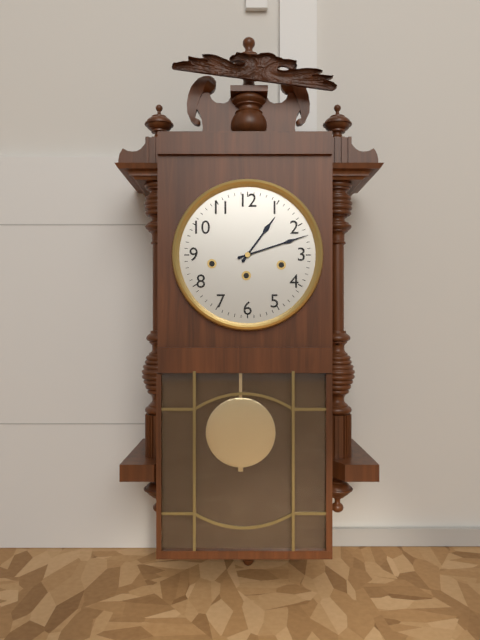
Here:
h=1 m=12
